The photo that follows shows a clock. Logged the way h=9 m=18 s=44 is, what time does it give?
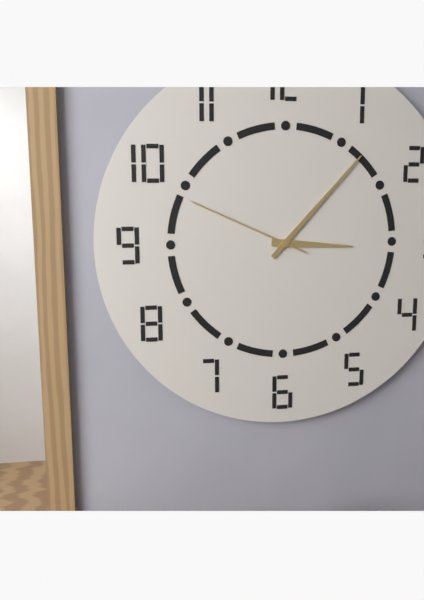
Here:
h=3 m=7 s=49
